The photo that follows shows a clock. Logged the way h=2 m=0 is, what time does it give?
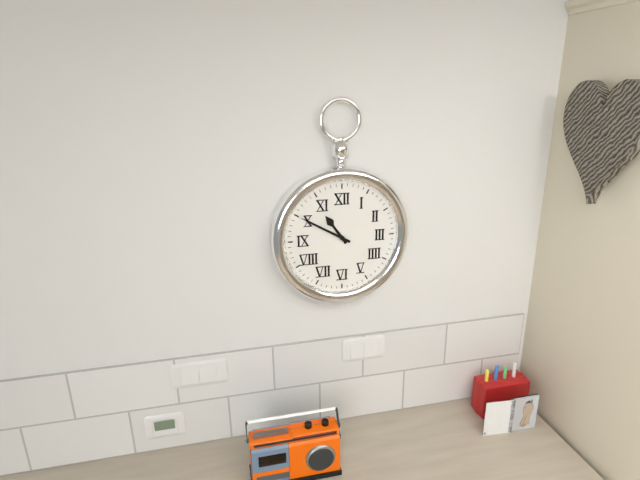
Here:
h=10 m=50
